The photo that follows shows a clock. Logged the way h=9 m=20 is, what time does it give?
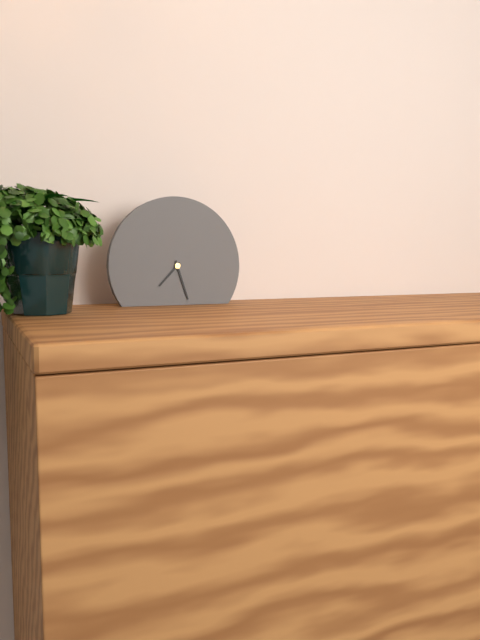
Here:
h=7 m=27
